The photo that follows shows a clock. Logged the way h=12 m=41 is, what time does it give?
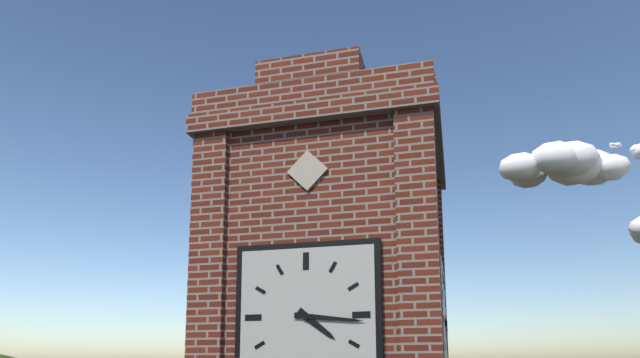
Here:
h=4 m=16
